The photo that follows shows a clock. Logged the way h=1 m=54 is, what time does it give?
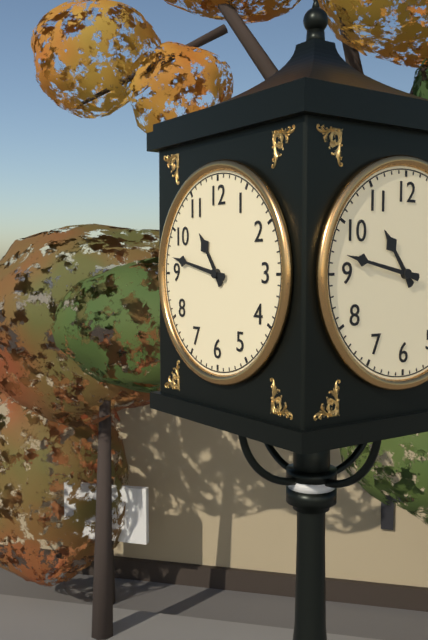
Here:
h=10 m=47
